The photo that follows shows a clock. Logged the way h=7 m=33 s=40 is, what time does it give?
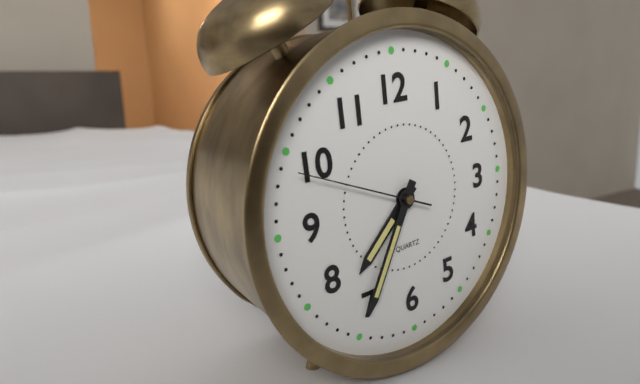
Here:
h=7 m=35 s=49
